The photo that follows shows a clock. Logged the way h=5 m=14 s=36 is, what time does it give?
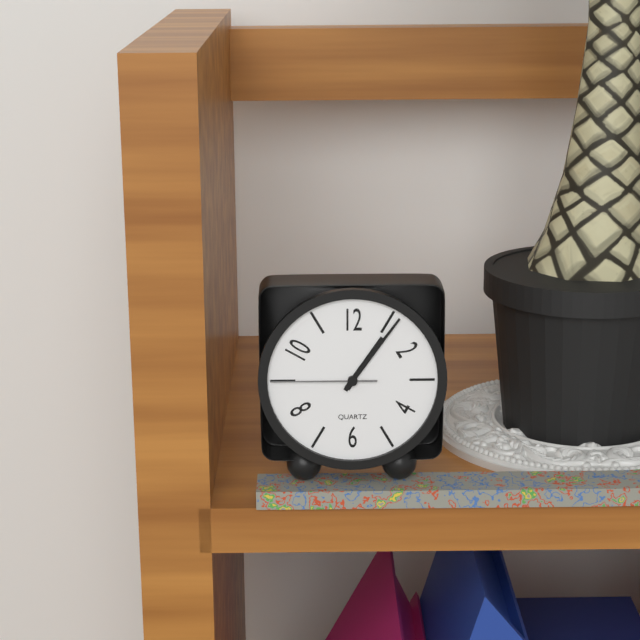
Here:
h=1 m=6 s=45
